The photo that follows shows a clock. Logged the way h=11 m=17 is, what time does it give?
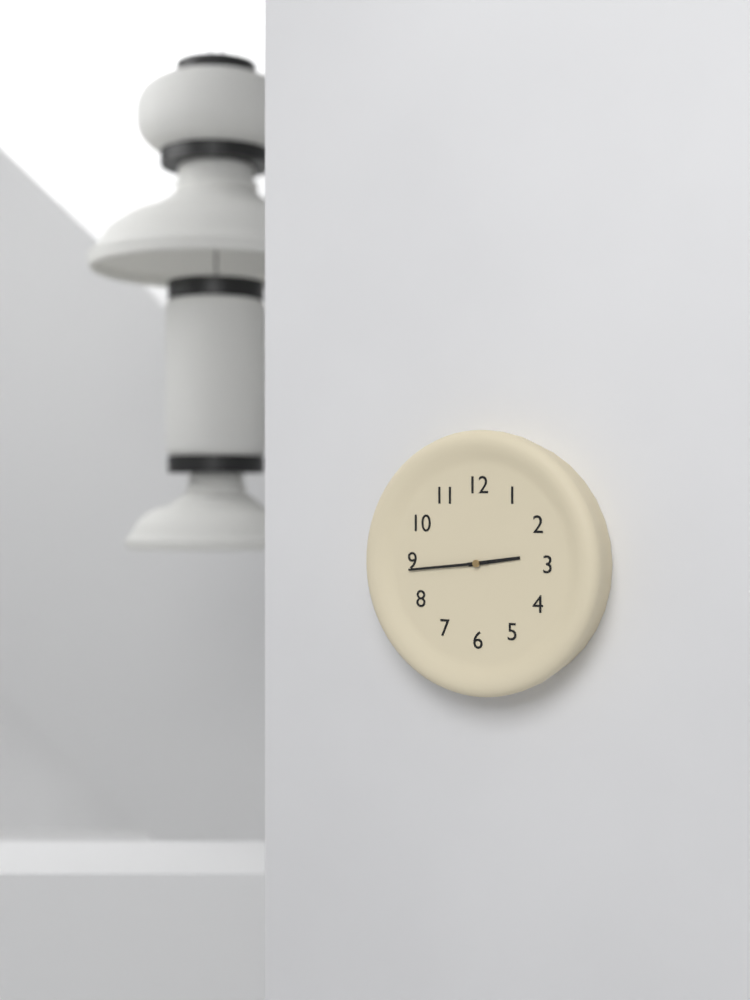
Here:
h=2 m=44
